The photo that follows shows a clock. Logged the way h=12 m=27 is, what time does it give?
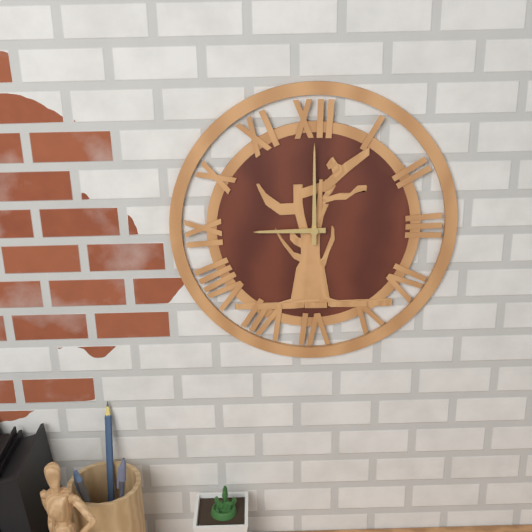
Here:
h=9 m=0
